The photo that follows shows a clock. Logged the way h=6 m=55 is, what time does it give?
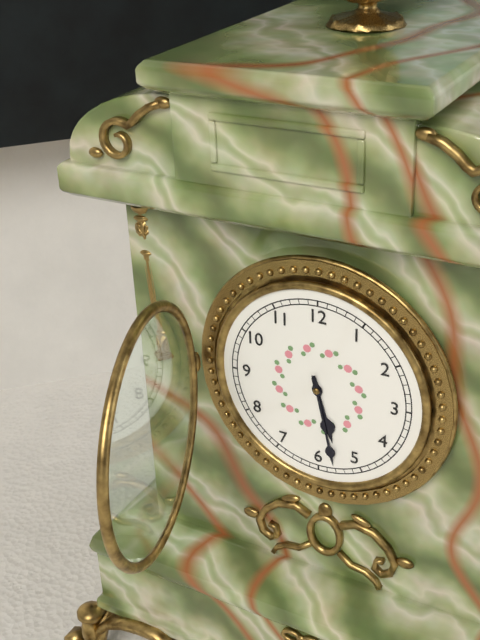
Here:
h=5 m=28
